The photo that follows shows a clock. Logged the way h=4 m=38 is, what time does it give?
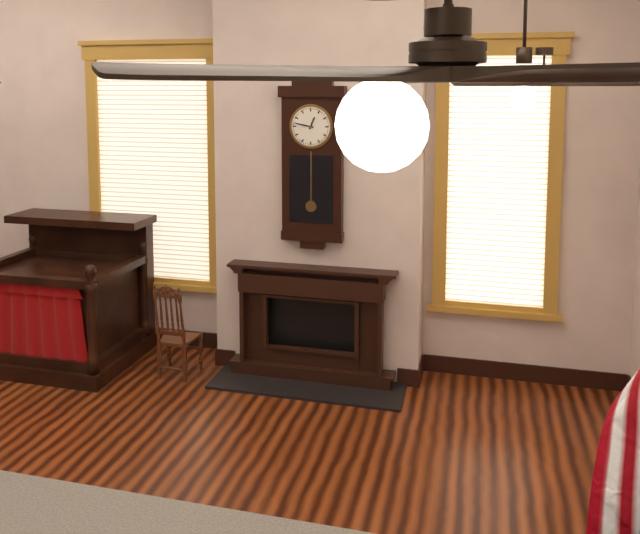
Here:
h=12 m=47
